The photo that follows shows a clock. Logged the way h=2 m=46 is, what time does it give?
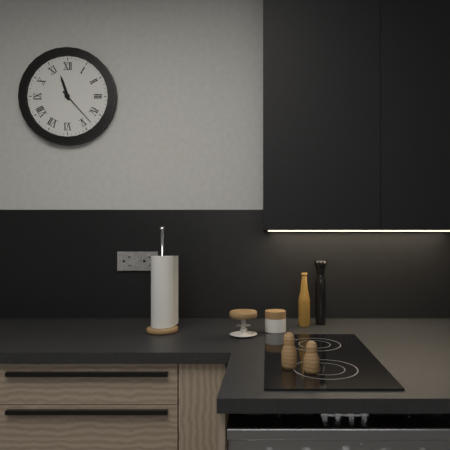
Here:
h=11 m=23
